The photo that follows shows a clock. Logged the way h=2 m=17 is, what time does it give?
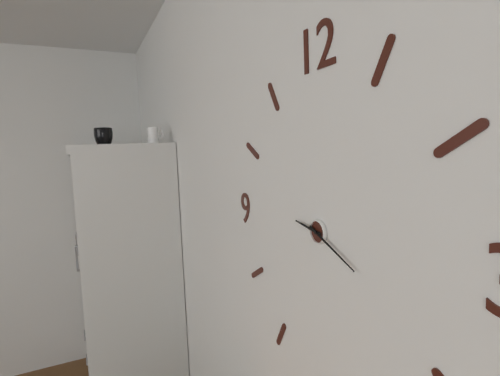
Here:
h=9 m=19
